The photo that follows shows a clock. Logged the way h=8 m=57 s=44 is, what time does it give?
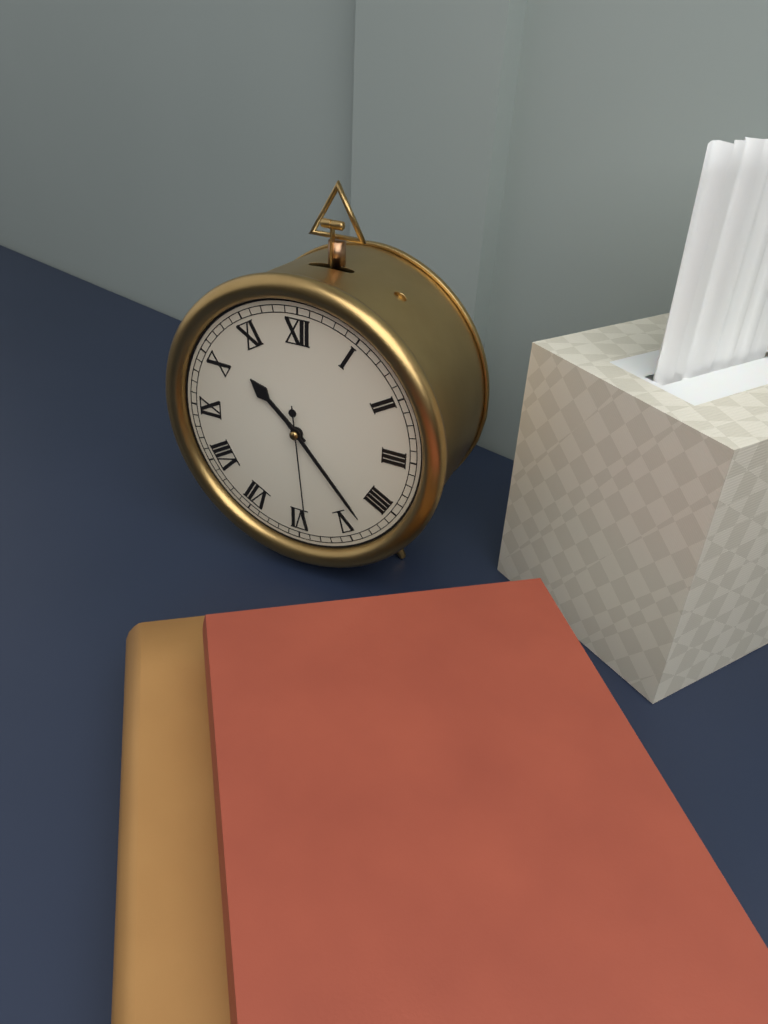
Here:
h=10 m=23 s=29
